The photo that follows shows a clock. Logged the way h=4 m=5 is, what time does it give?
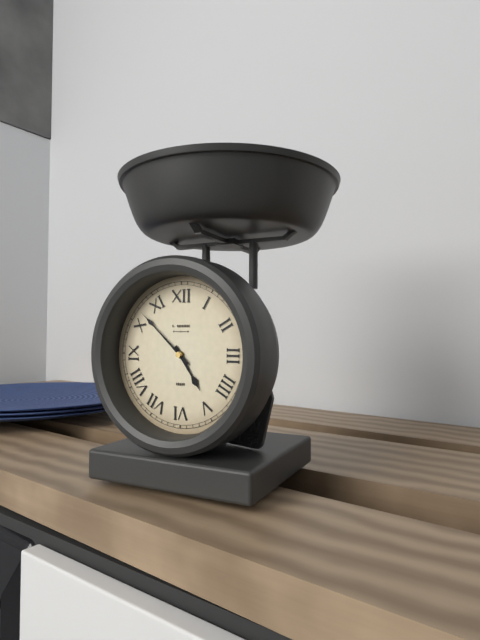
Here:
h=4 m=52
